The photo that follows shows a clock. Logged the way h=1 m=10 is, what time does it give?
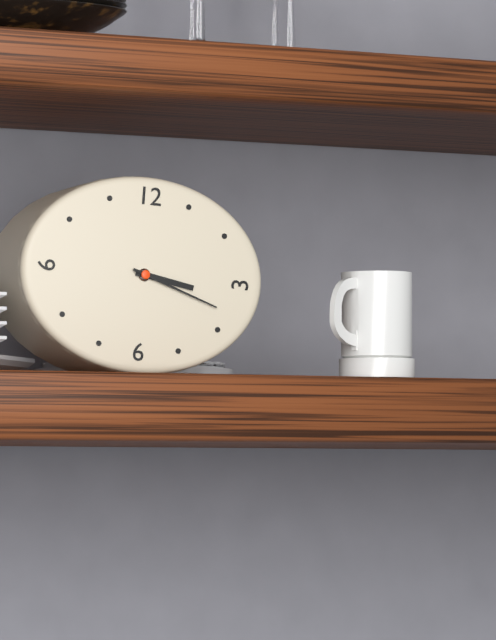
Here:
h=3 m=18
